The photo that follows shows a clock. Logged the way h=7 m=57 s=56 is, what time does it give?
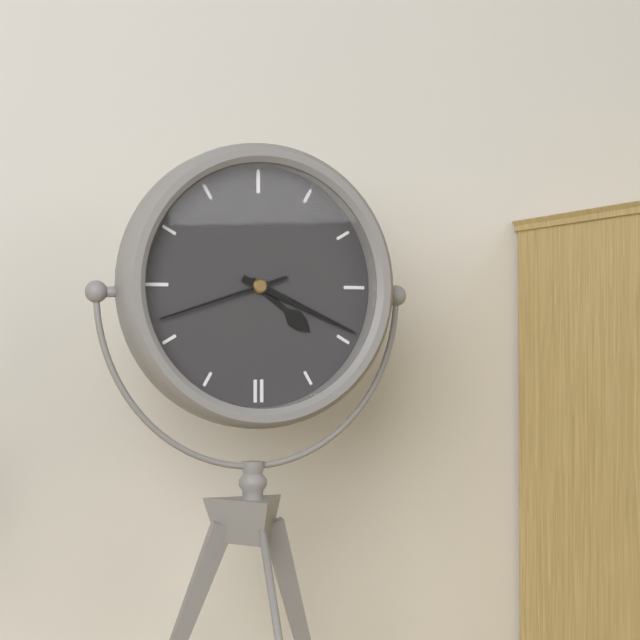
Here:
h=4 m=19 s=42
